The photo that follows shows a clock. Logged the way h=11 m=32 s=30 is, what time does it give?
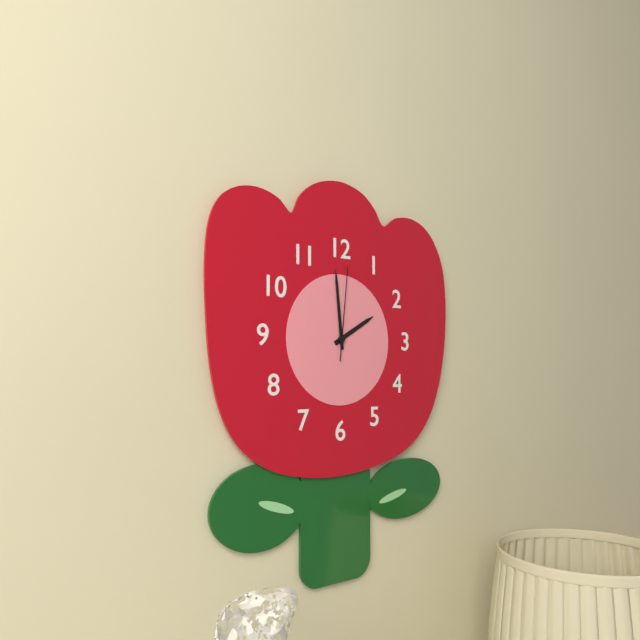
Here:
h=1 m=59 s=1
